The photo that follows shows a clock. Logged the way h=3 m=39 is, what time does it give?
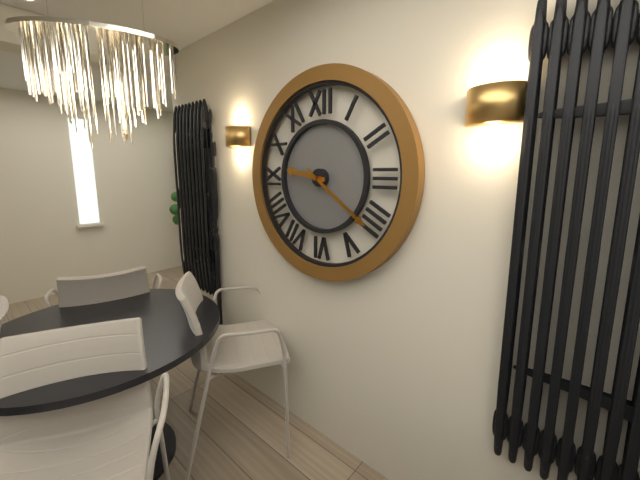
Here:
h=9 m=21
